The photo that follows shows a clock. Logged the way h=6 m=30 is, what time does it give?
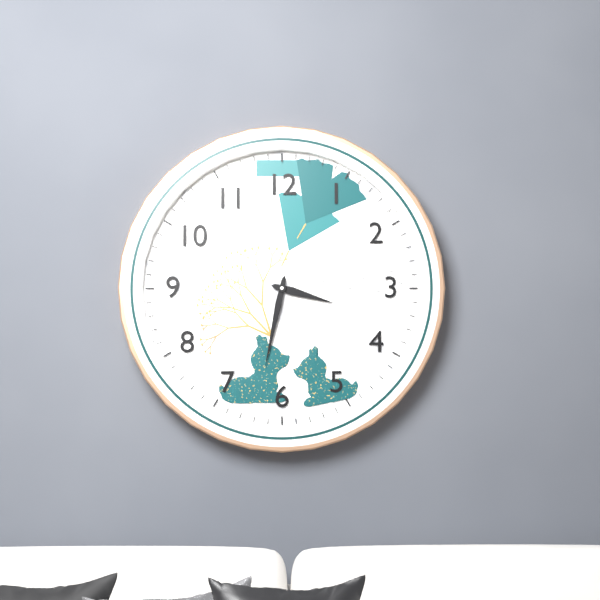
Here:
h=3 m=32
